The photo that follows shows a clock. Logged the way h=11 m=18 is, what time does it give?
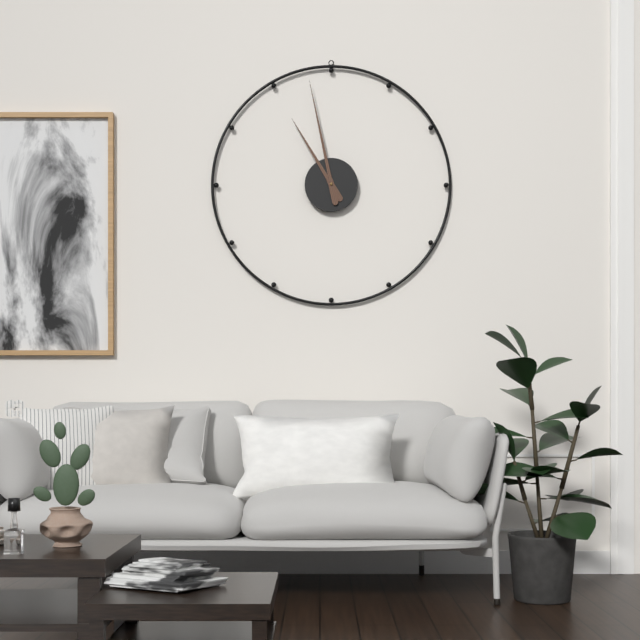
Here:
h=10 m=58
